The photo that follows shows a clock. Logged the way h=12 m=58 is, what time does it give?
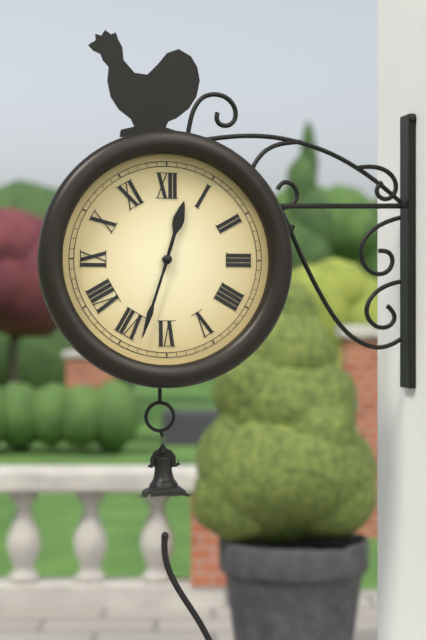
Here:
h=12 m=33
